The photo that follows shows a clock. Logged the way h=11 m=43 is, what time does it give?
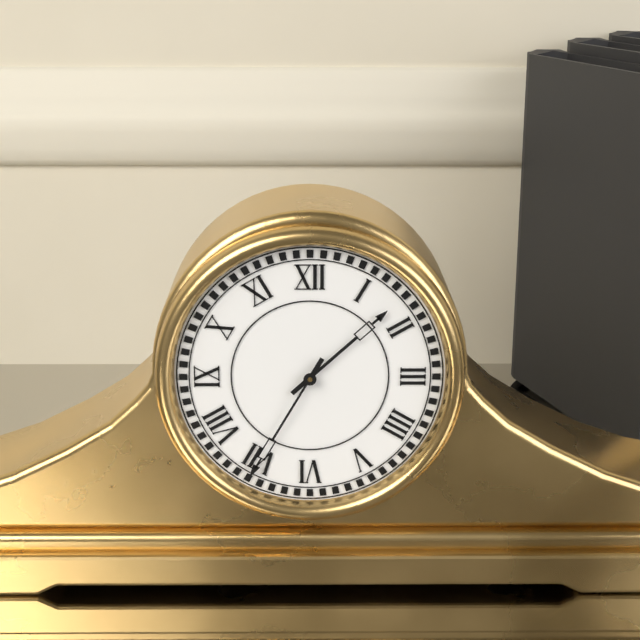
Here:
h=1 m=35
